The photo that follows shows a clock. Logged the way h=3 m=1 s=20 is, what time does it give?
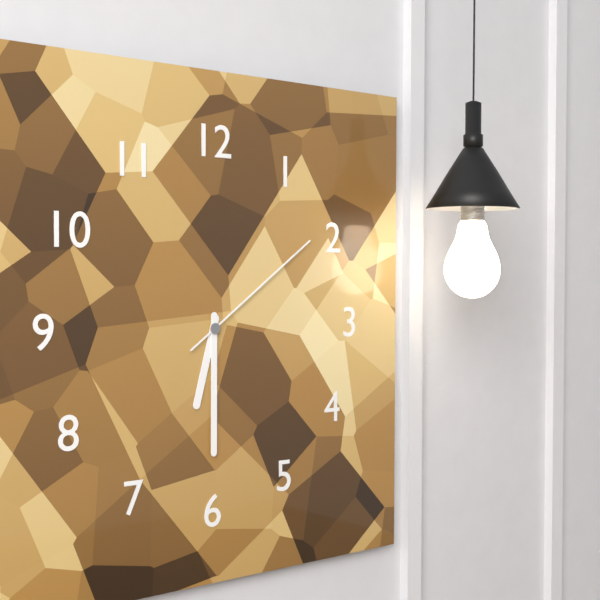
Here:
h=6 m=30 s=9
